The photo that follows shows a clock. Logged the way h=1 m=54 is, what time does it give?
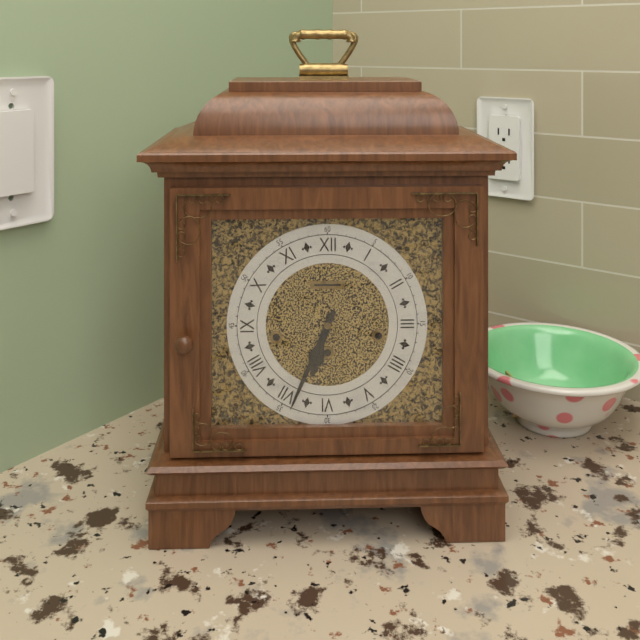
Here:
h=6 m=34
